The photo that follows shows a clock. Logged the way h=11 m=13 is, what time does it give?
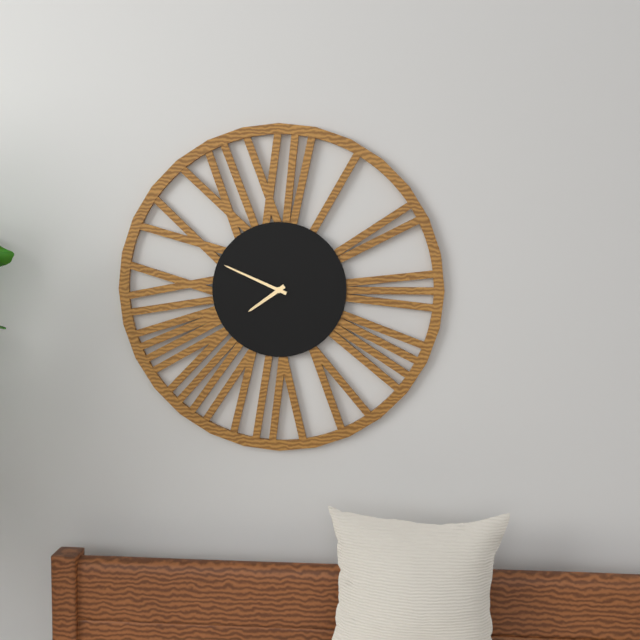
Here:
h=7 m=49
